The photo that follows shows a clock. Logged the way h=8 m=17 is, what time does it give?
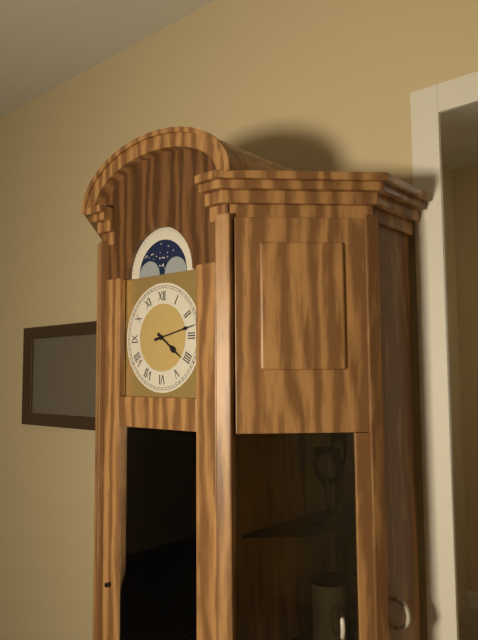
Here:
h=4 m=13
